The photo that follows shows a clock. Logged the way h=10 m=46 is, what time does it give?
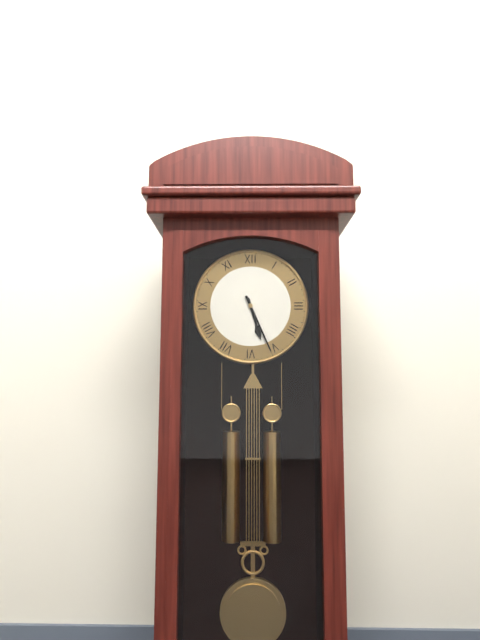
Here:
h=5 m=26
